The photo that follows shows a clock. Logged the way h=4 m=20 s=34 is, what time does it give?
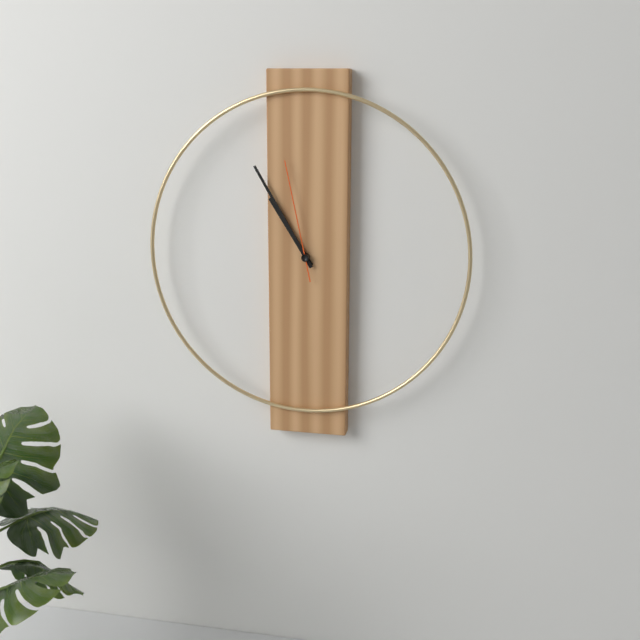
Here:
h=10 m=55 s=58
